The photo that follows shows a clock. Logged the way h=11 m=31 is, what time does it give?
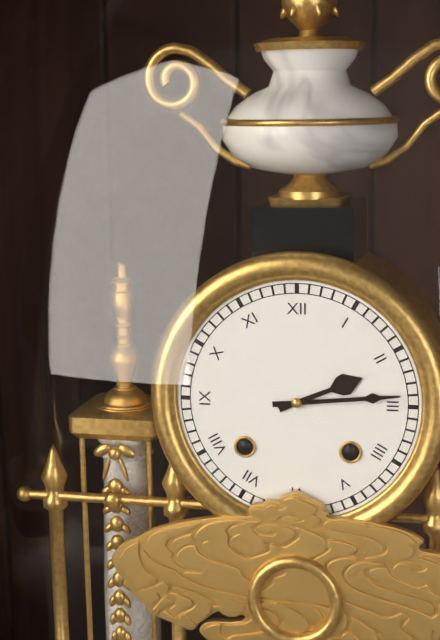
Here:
h=2 m=14
